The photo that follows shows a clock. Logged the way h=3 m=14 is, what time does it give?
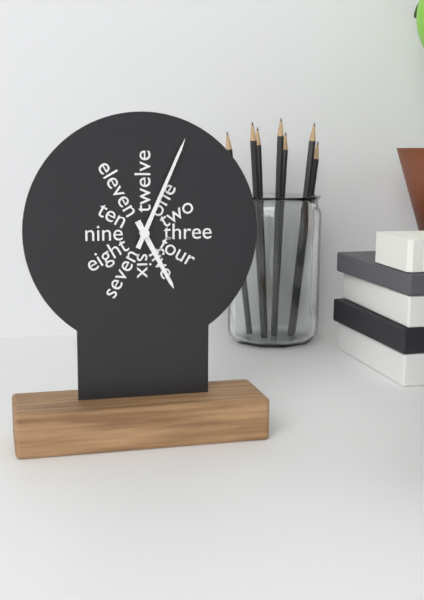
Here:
h=5 m=4
